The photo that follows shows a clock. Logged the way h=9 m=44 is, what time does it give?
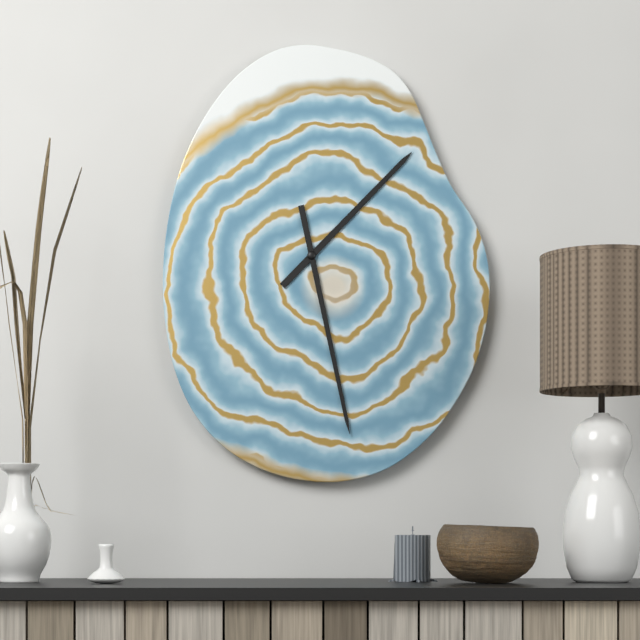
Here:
h=1 m=28
